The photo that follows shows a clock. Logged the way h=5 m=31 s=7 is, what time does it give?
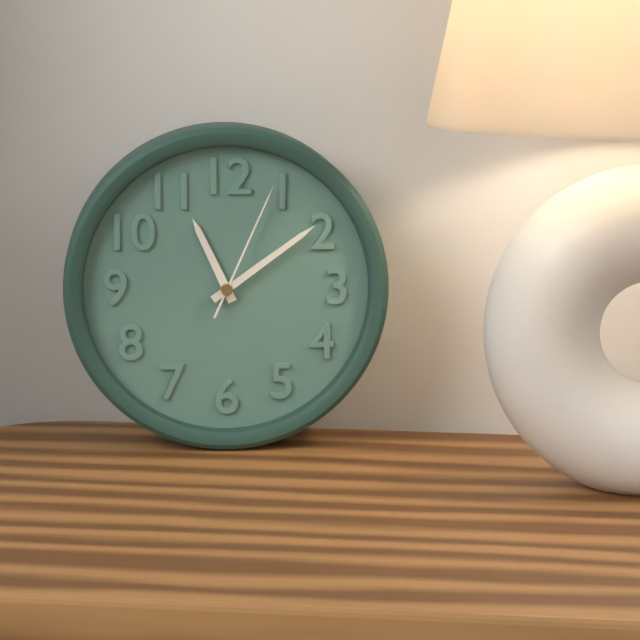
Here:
h=11 m=9 s=4
